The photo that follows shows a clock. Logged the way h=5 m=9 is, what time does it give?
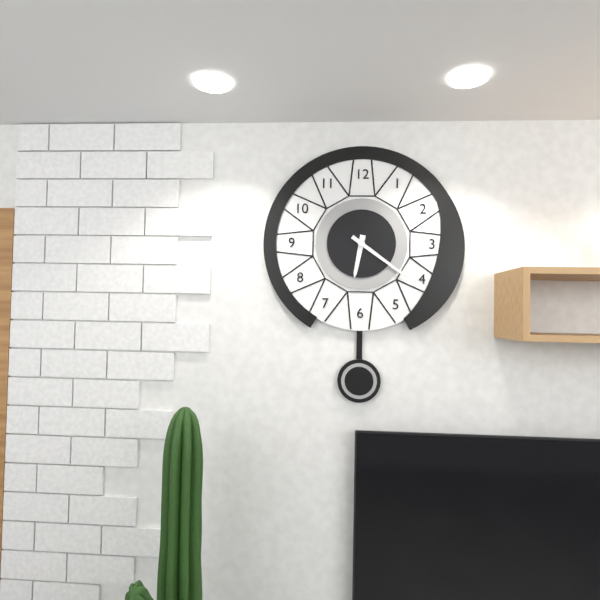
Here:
h=6 m=21
